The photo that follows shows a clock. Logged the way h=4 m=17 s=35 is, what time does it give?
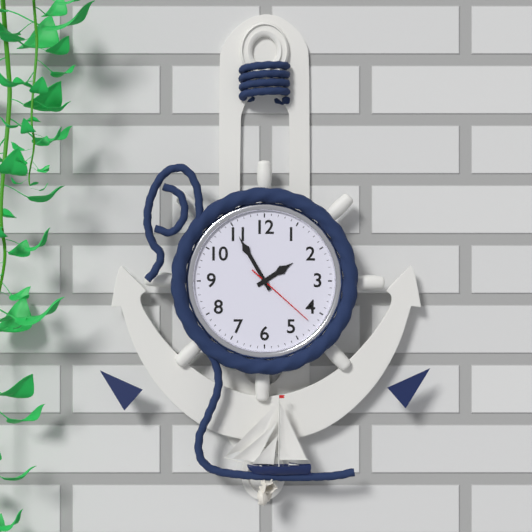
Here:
h=1 m=55 s=22
